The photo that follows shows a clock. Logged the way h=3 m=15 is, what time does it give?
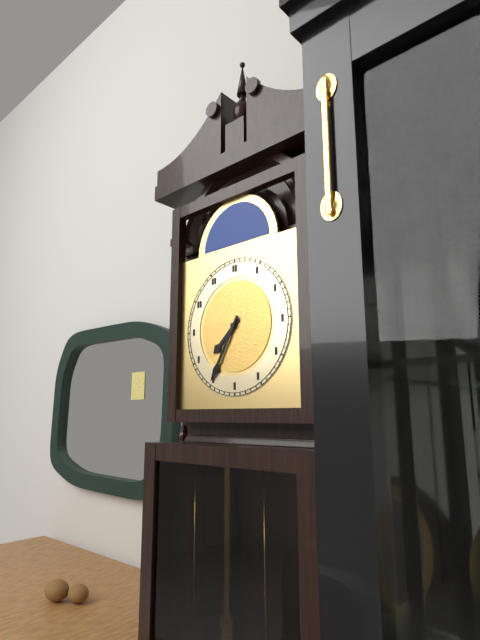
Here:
h=7 m=35
